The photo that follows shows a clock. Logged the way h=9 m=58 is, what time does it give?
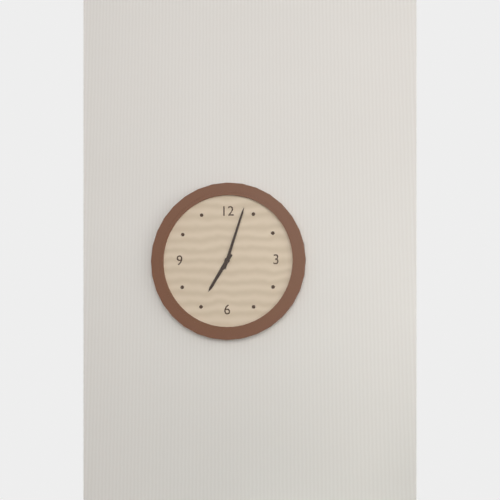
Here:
h=7 m=3
